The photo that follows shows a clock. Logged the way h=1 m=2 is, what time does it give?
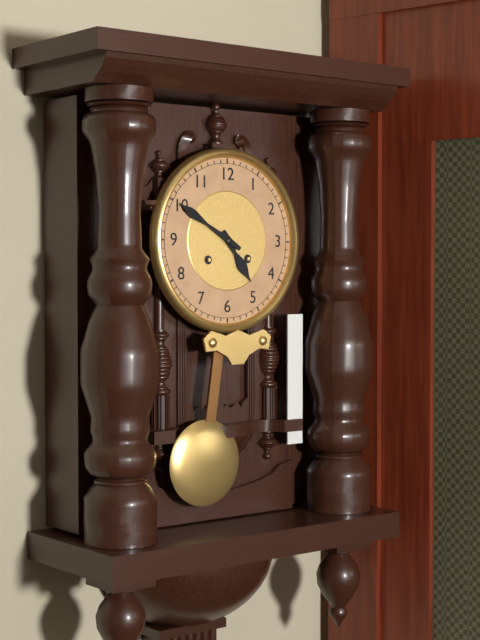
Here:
h=4 m=50
